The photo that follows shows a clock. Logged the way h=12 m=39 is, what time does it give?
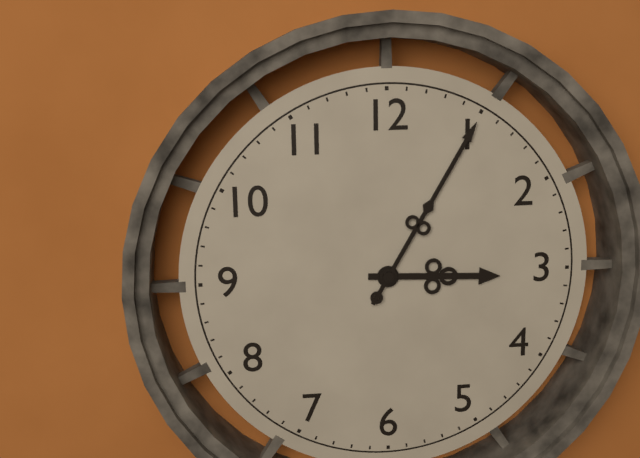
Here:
h=3 m=5
